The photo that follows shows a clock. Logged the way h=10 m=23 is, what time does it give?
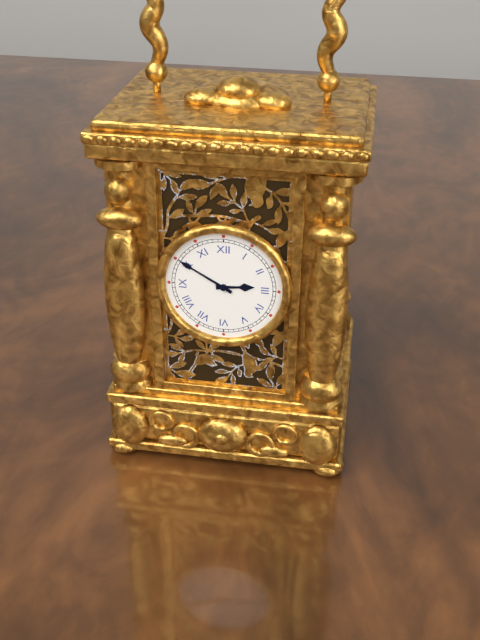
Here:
h=2 m=50
